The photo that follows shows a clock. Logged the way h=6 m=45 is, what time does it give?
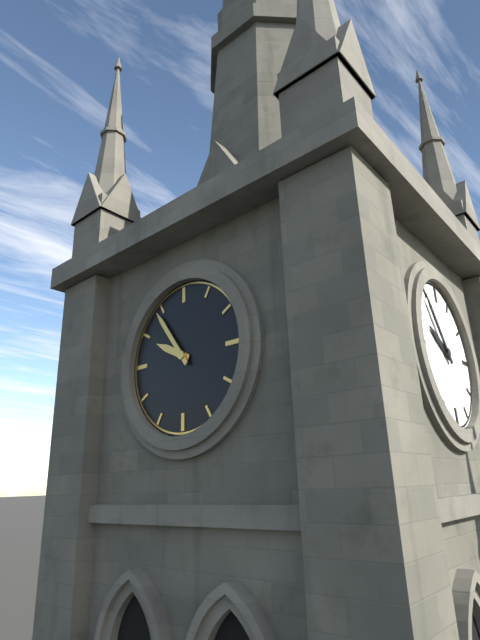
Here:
h=9 m=54
